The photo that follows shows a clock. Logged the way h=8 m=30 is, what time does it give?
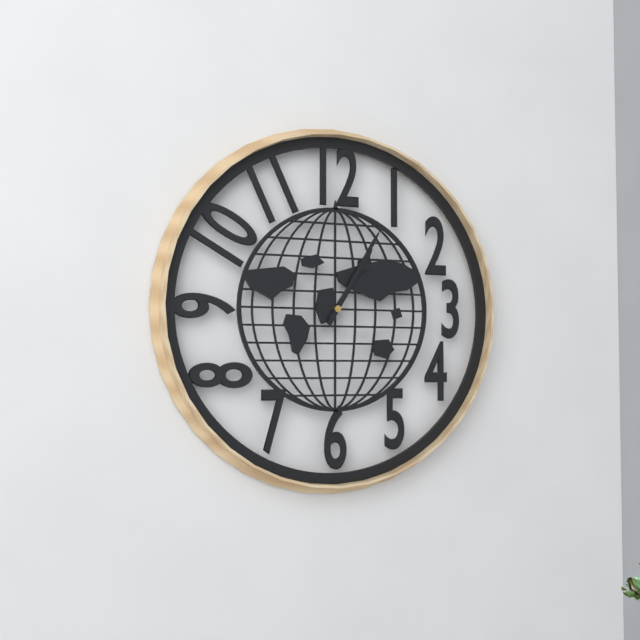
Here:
h=1 m=5
